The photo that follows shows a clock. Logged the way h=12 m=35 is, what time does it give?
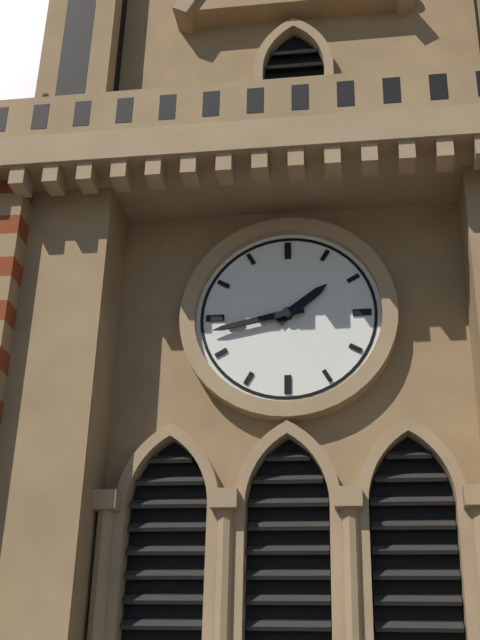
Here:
h=1 m=43
